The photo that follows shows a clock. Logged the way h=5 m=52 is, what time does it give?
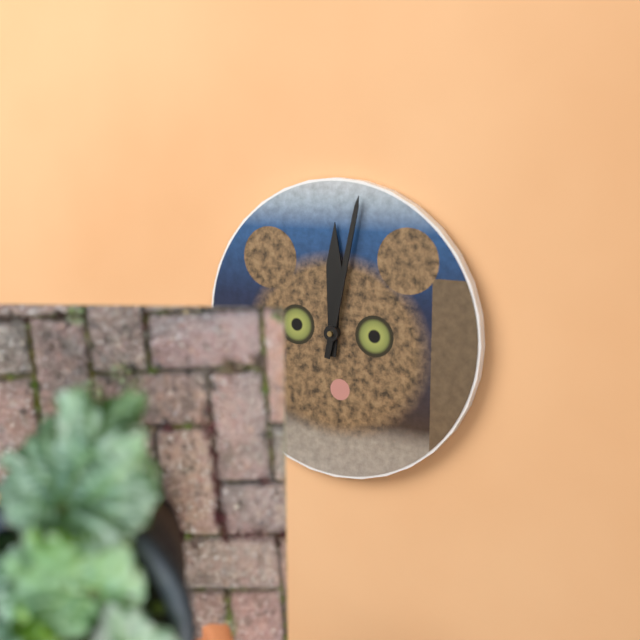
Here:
h=12 m=2
